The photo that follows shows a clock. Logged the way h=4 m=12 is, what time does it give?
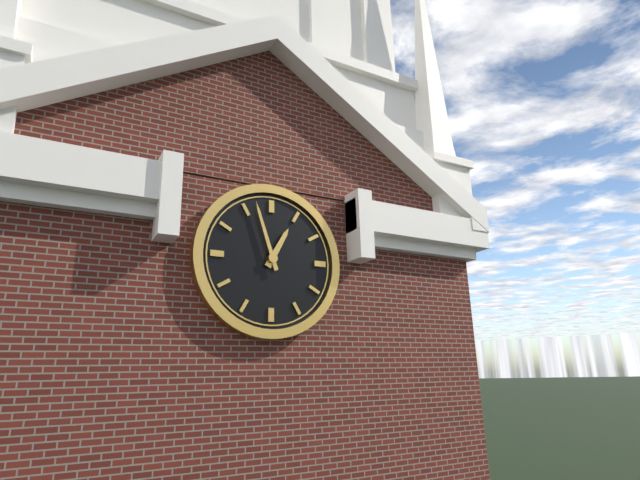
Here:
h=12 m=57
